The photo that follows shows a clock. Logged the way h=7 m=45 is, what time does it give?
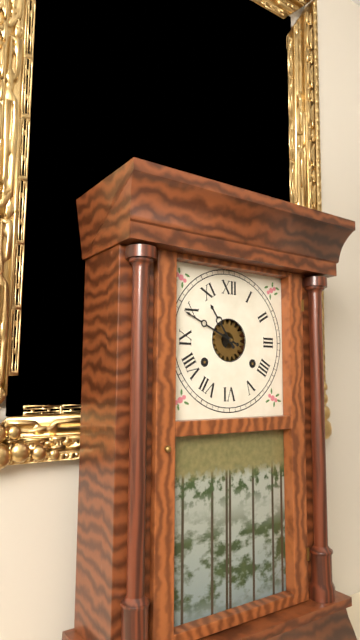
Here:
h=10 m=49
